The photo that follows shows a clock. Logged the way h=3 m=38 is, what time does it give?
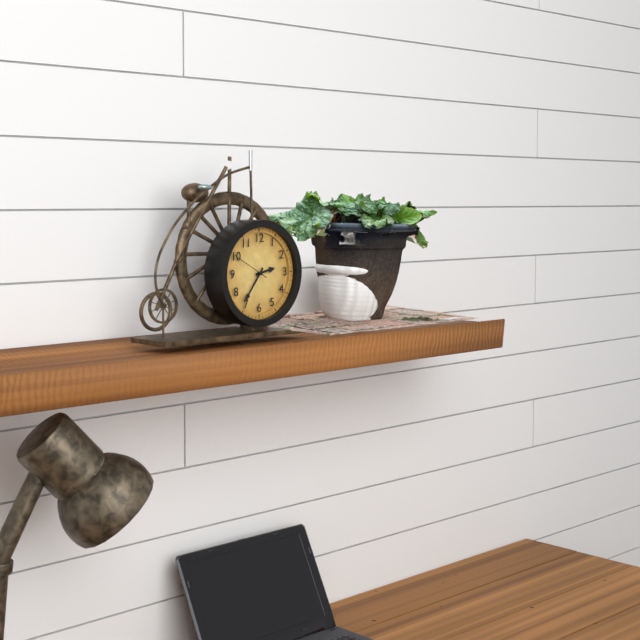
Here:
h=2 m=36
